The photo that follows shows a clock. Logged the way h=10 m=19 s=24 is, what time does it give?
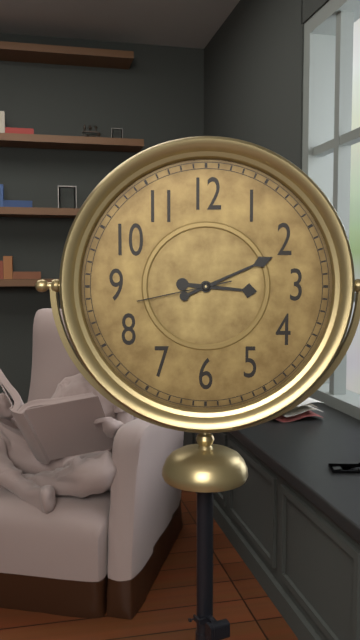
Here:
h=3 m=11 s=43
